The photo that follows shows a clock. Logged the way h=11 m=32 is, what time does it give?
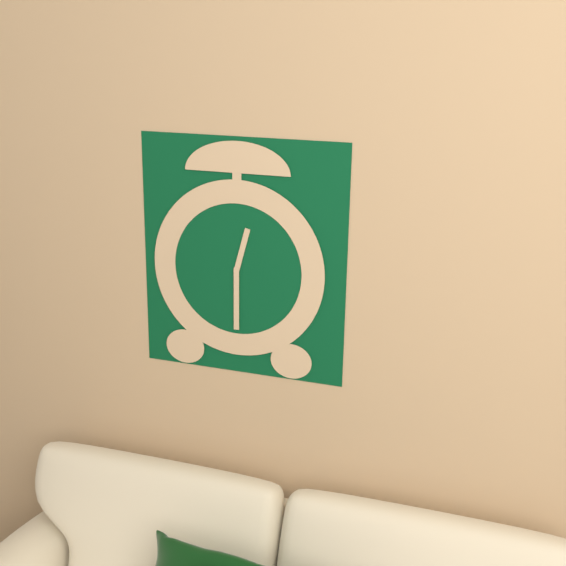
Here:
h=12 m=30
